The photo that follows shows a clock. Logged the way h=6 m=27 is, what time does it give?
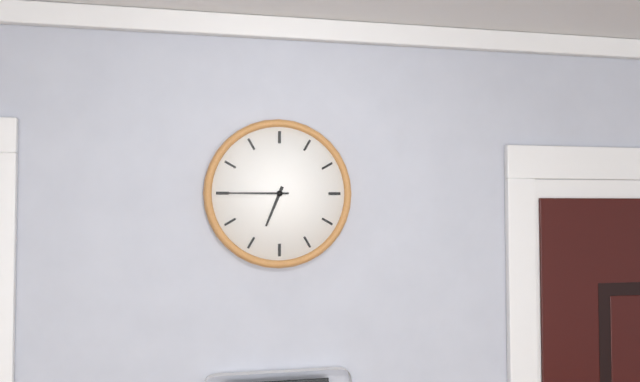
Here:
h=6 m=45
